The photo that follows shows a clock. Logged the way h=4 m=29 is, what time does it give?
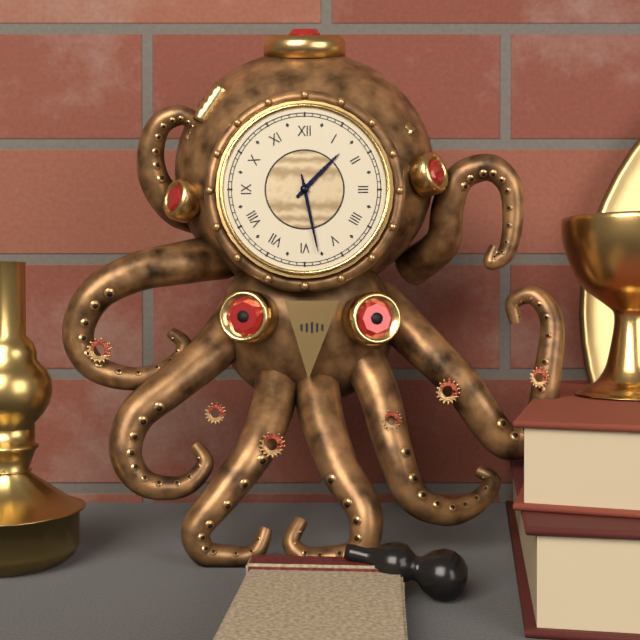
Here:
h=1 m=28
